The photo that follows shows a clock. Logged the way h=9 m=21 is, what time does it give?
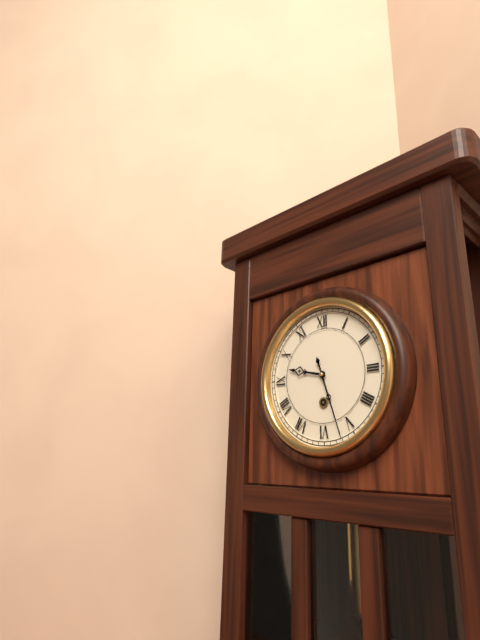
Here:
h=9 m=27
